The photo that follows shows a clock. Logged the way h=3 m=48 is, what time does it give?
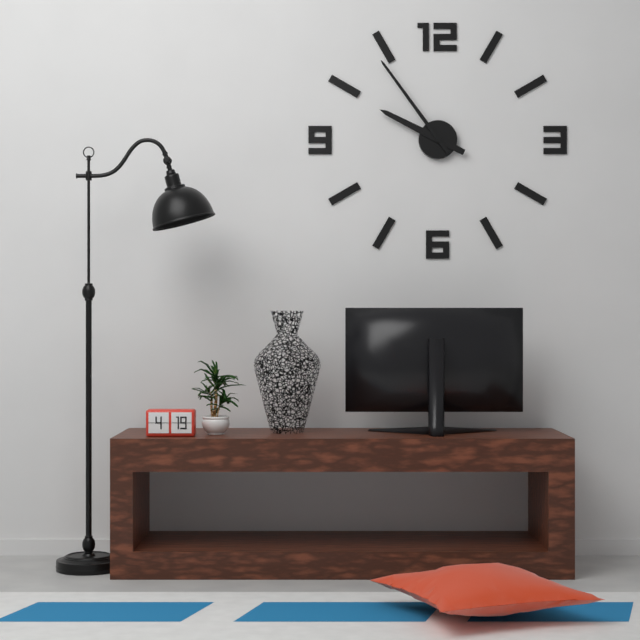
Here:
h=9 m=54
